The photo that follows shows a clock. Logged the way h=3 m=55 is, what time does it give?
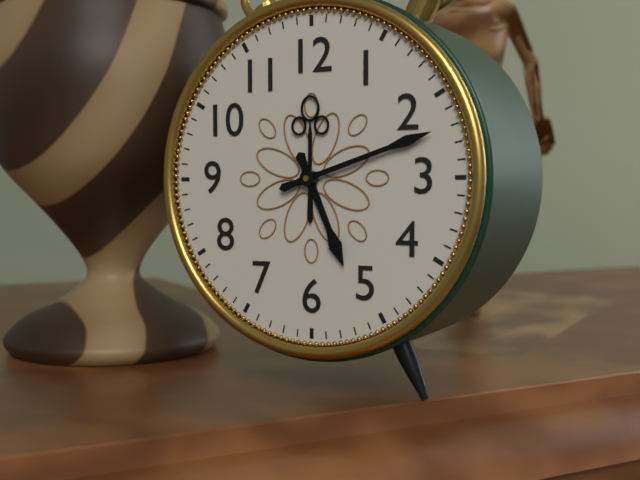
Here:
h=5 m=12
